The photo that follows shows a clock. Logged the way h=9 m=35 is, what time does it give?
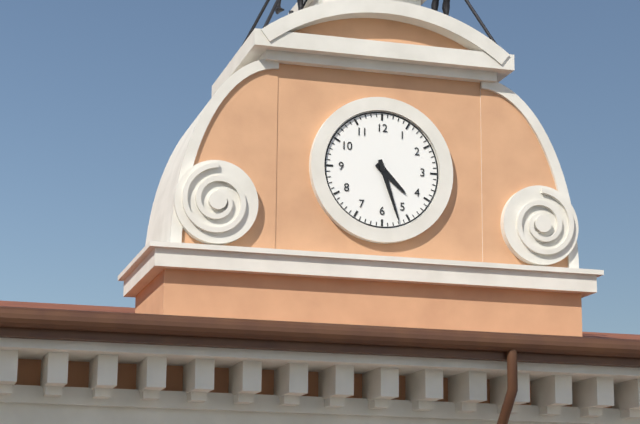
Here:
h=4 m=27
